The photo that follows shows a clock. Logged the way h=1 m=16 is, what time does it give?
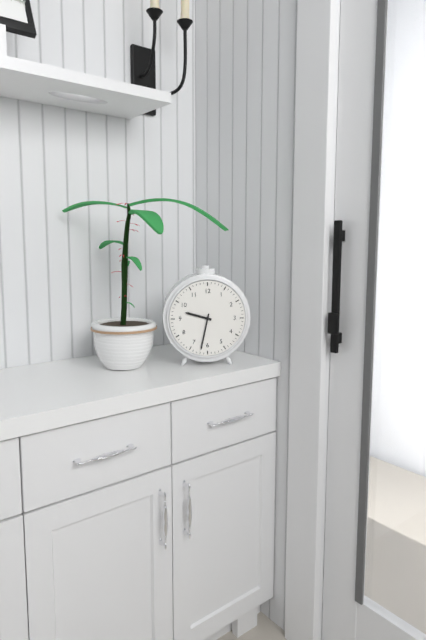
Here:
h=9 m=32
